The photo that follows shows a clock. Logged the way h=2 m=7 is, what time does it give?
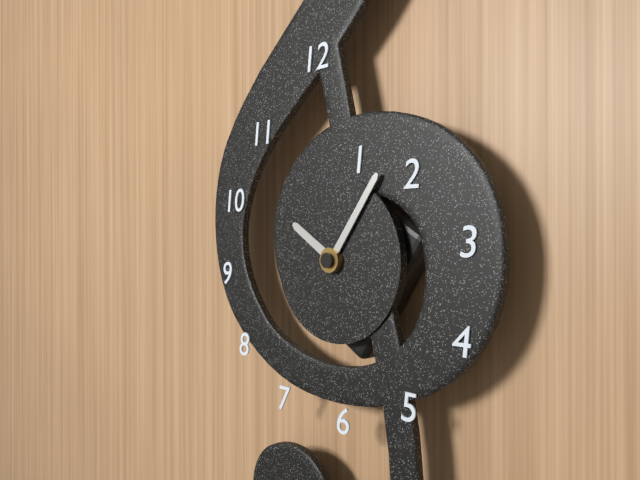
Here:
h=10 m=6
